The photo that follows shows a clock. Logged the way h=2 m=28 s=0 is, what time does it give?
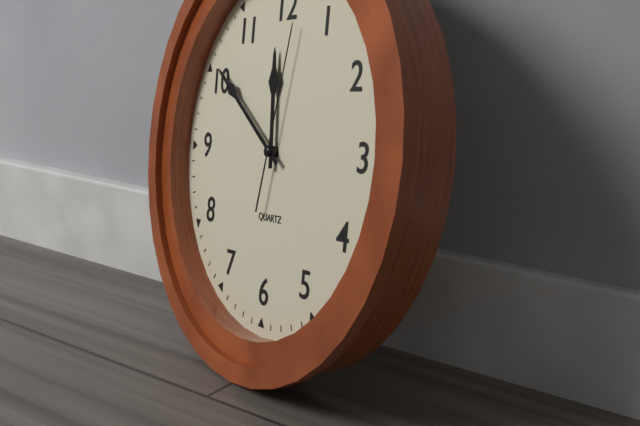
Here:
h=11 m=51 s=2
